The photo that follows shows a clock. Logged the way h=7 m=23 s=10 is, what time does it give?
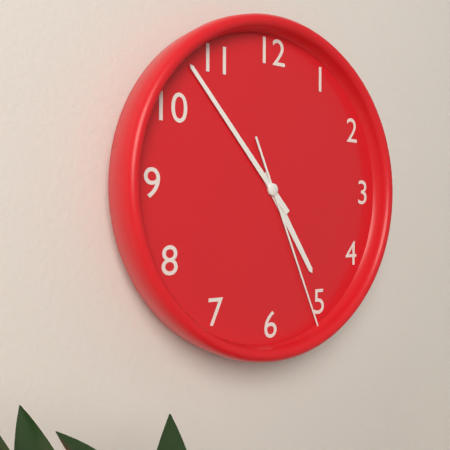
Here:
h=4 m=53 s=26
